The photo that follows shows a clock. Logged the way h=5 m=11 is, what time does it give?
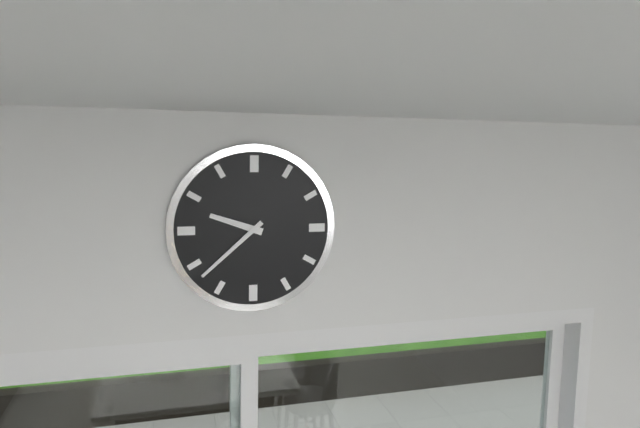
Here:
h=9 m=38
